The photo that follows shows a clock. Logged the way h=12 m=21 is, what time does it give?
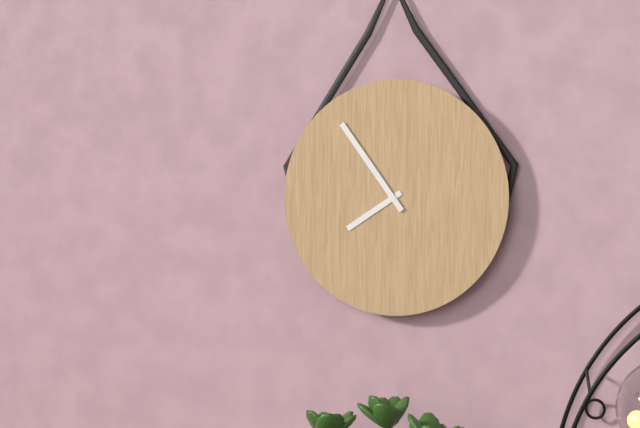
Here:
h=7 m=54
